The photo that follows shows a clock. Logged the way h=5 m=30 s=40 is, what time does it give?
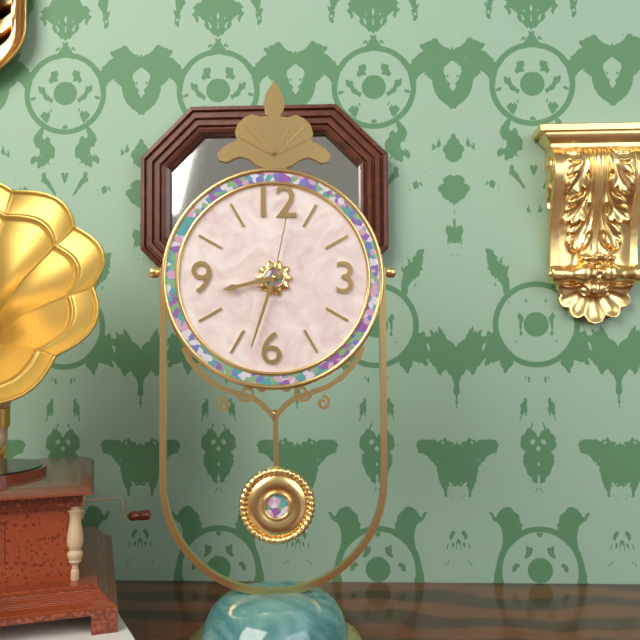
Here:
h=8 m=33 s=2
